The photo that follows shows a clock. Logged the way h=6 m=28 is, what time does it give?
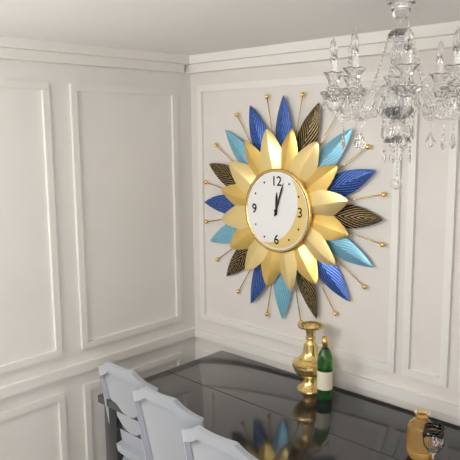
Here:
h=12 m=3
